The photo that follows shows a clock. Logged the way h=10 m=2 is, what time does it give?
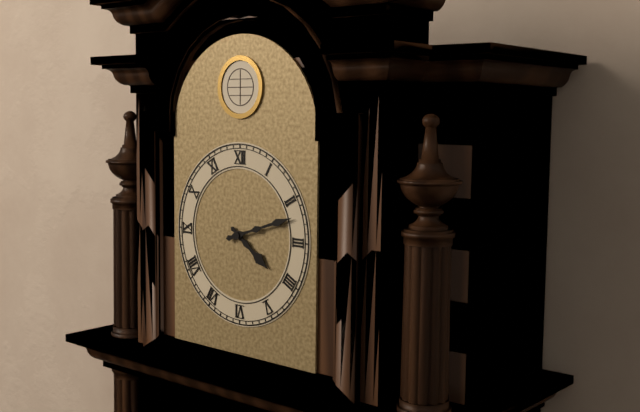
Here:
h=4 m=12
